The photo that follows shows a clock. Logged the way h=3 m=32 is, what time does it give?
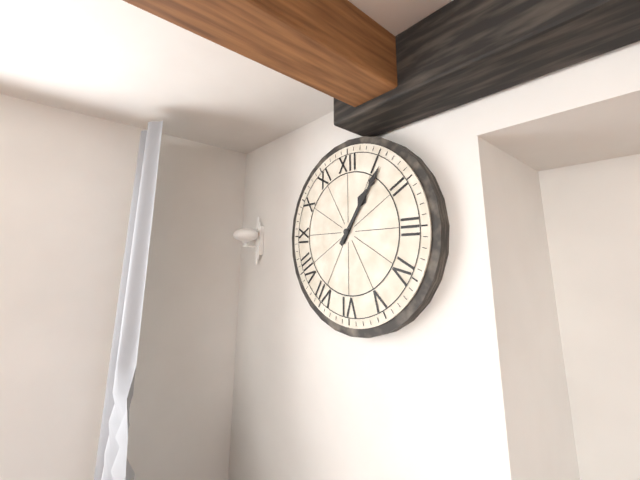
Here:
h=1 m=6
